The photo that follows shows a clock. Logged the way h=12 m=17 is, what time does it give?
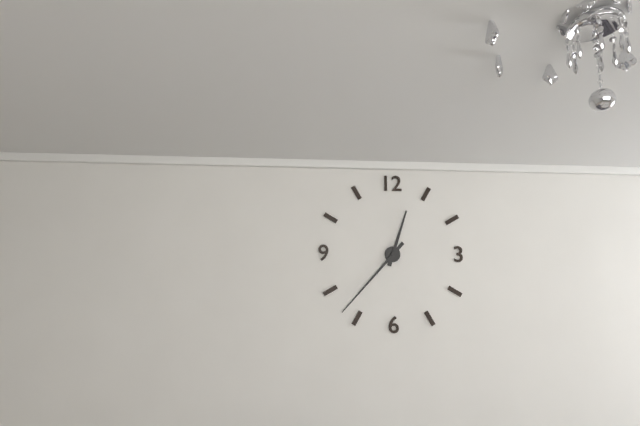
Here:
h=12 m=37
